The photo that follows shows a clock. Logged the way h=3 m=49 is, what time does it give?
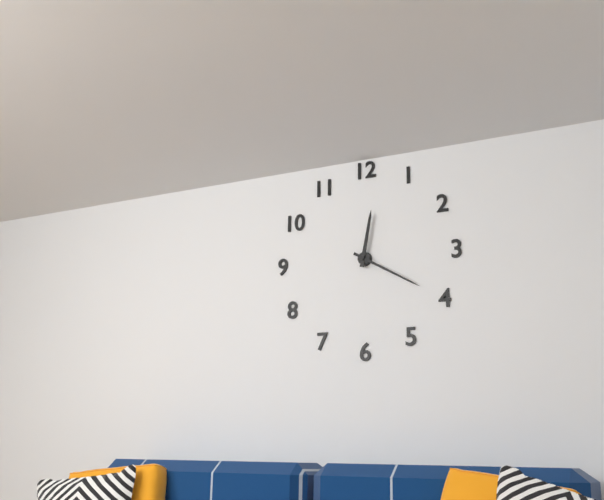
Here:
h=12 m=20
